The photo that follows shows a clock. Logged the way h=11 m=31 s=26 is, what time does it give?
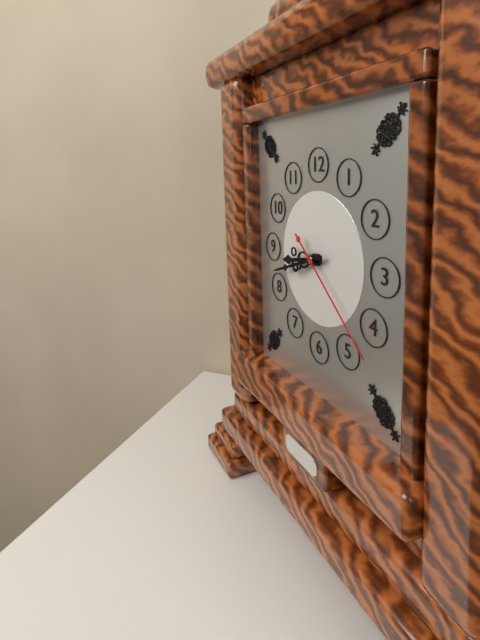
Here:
h=8 m=42 s=22
